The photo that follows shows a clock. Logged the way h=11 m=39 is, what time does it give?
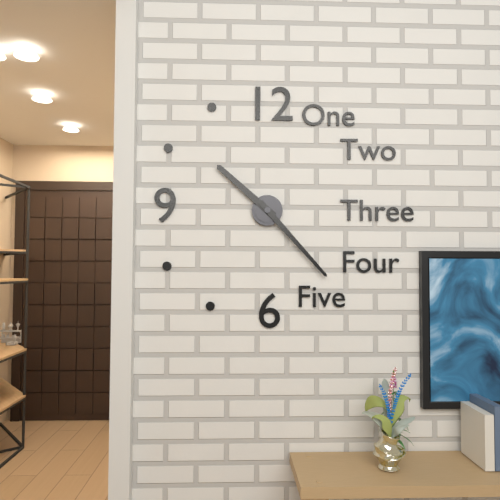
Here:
h=10 m=23
